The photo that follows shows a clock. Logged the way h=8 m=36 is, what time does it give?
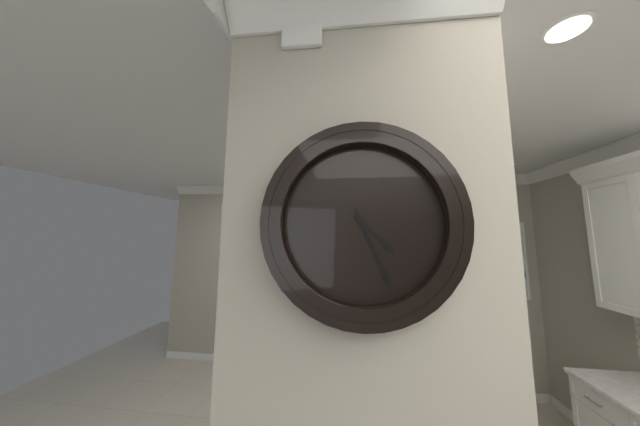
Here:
h=4 m=26
